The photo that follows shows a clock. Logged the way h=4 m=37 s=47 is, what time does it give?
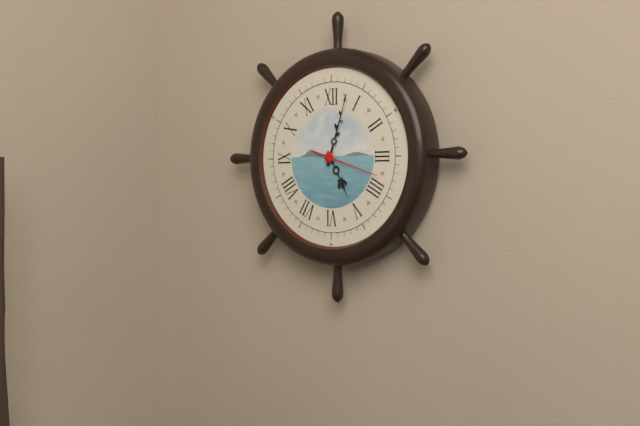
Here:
h=5 m=3 s=18
